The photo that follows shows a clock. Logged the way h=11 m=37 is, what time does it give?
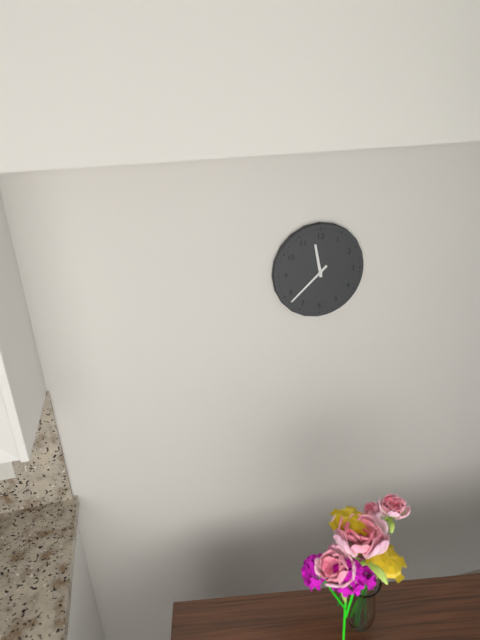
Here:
h=11 m=38
